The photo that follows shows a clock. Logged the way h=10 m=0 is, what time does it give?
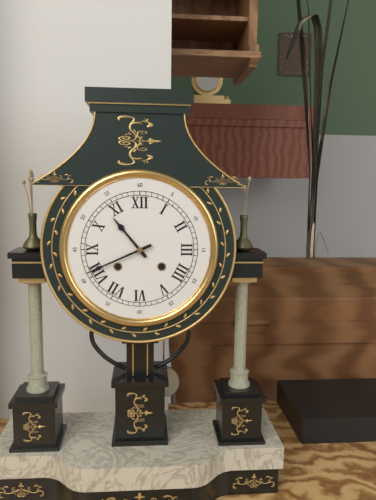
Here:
h=10 m=41
